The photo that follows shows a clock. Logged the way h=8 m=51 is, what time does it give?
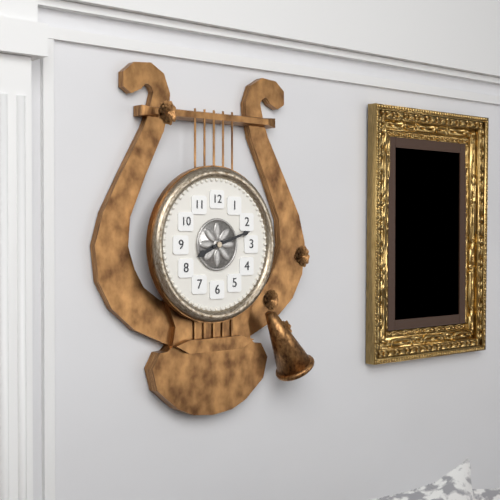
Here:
h=8 m=12
